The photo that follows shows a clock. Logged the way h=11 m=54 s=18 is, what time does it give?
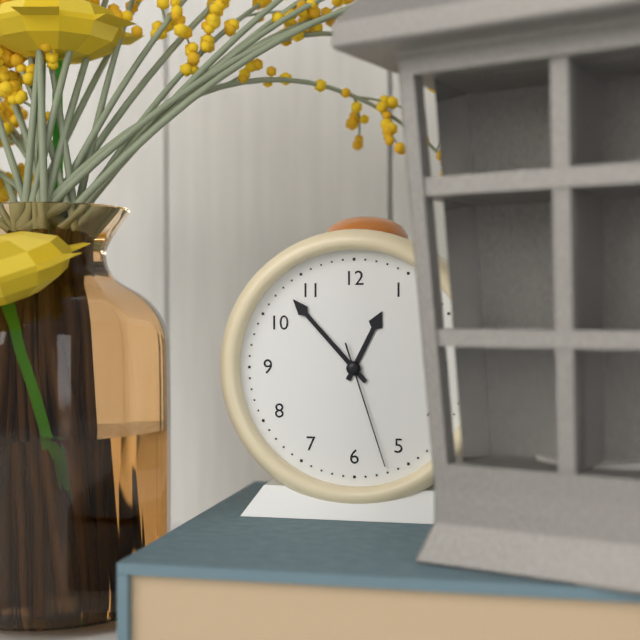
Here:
h=12 m=53 s=27
